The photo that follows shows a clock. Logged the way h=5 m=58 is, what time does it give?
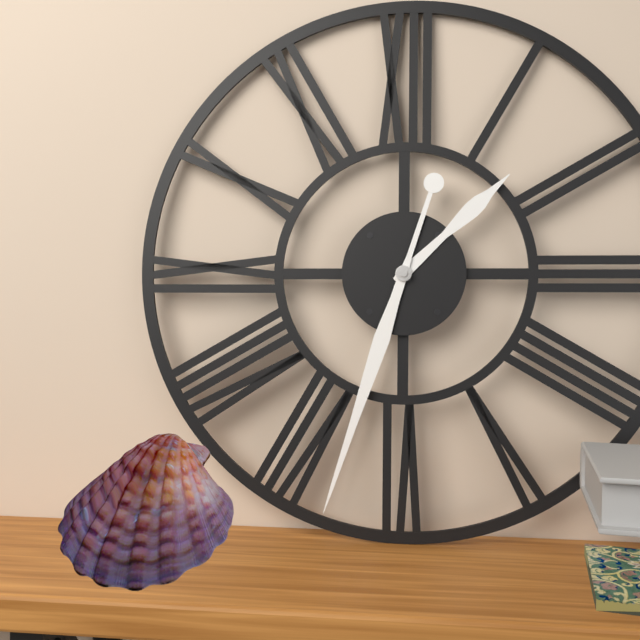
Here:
h=1 m=33
